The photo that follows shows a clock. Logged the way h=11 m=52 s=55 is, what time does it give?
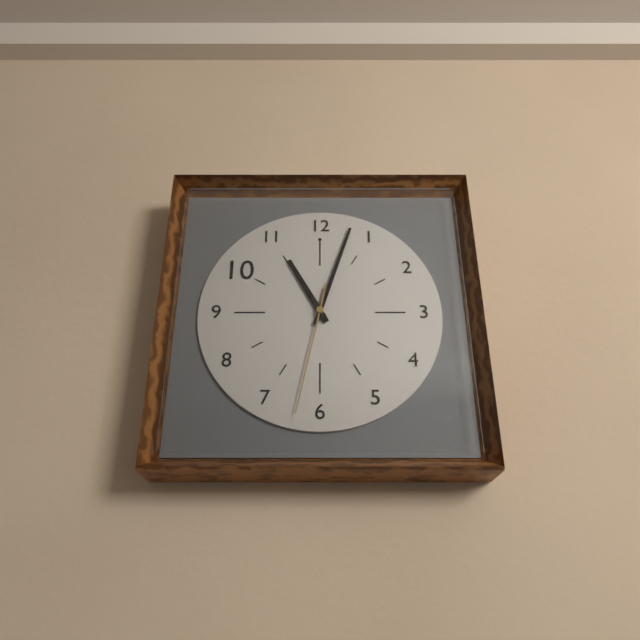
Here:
h=11 m=3 s=32
